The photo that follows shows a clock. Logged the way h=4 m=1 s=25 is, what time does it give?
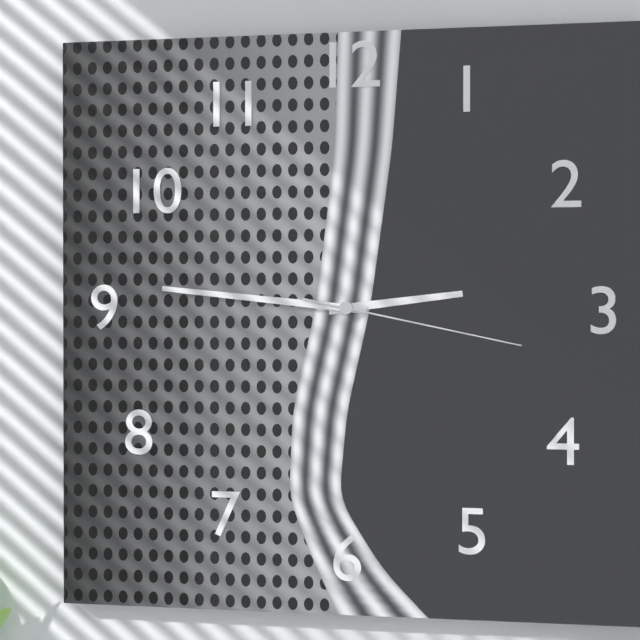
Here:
h=2 m=46 s=17
